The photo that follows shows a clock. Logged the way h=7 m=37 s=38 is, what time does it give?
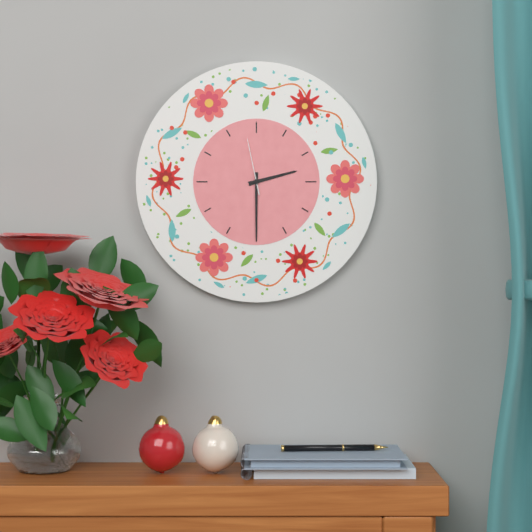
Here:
h=2 m=30 s=58
